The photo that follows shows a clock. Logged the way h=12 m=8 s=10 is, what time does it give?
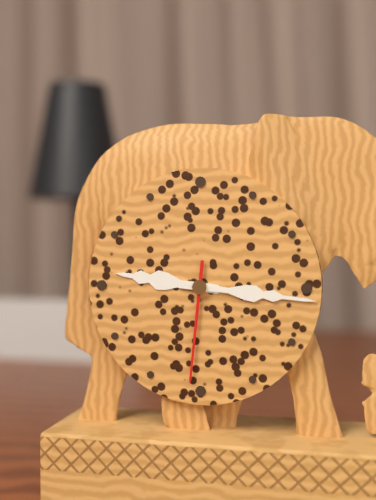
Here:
h=9 m=16 s=31
